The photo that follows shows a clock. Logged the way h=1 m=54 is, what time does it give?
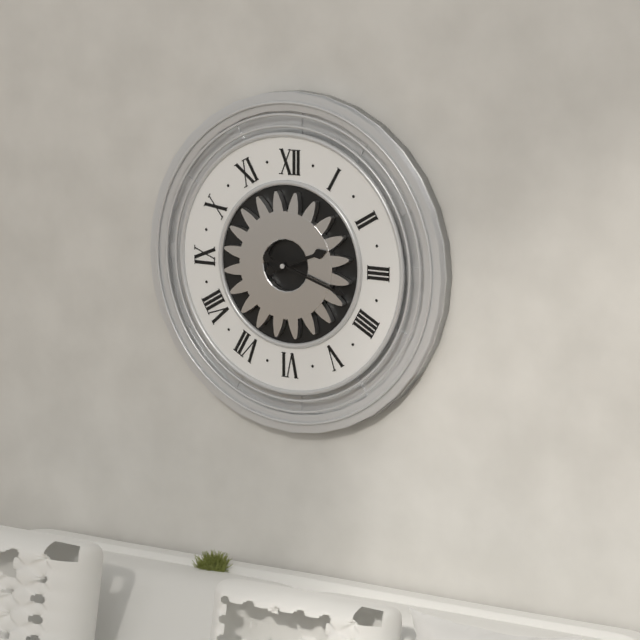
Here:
h=2 m=18
